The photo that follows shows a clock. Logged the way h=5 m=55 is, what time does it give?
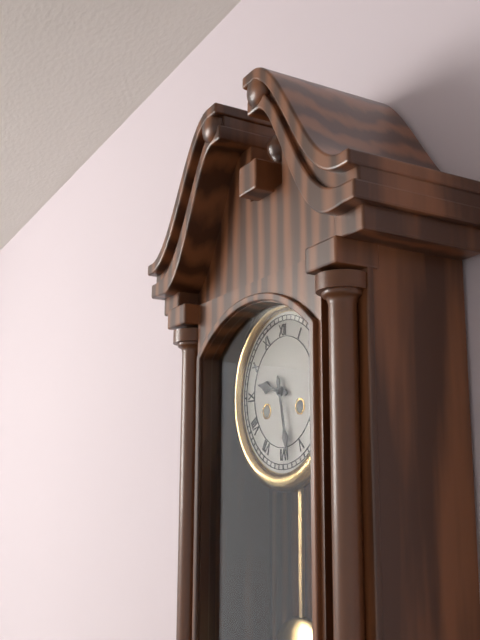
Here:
h=9 m=28
